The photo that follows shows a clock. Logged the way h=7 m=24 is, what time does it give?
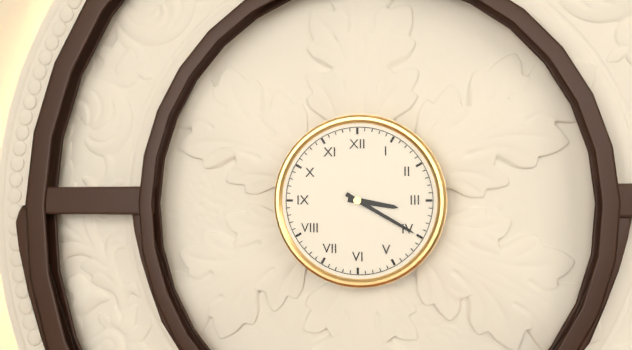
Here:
h=3 m=20
